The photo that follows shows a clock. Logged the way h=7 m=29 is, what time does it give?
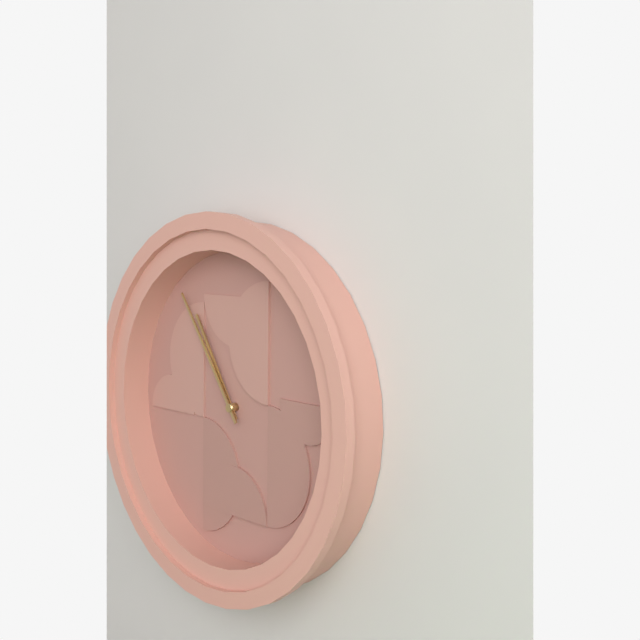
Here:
h=10 m=54
